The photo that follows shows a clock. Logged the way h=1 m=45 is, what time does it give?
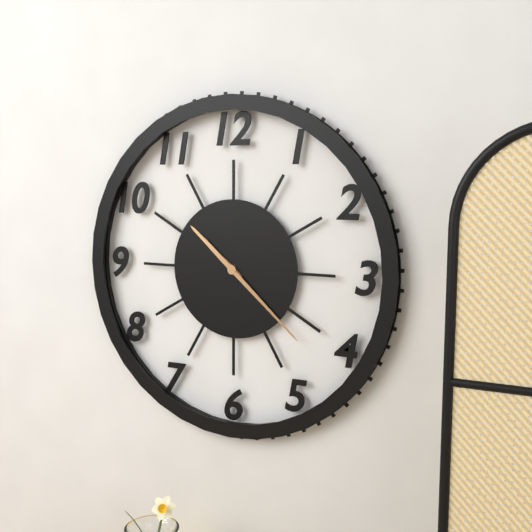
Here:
h=10 m=22
